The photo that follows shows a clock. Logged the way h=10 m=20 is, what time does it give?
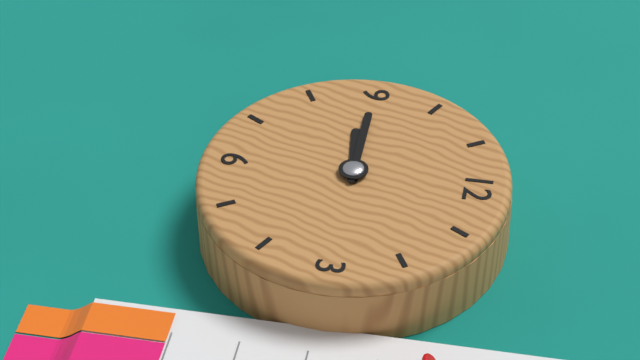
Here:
h=8 m=45
